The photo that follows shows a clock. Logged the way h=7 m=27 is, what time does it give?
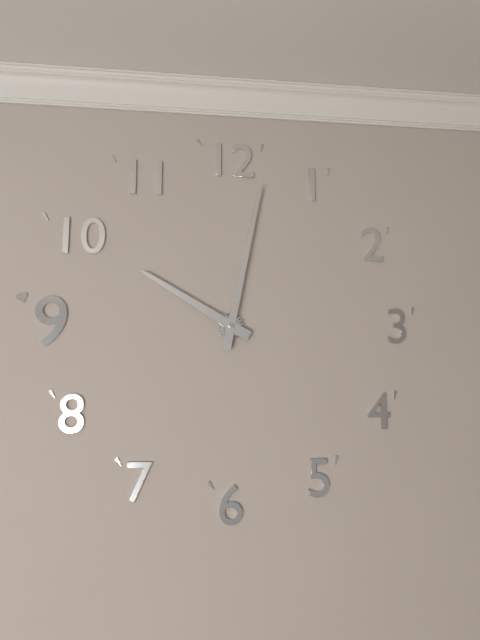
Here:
h=10 m=2
